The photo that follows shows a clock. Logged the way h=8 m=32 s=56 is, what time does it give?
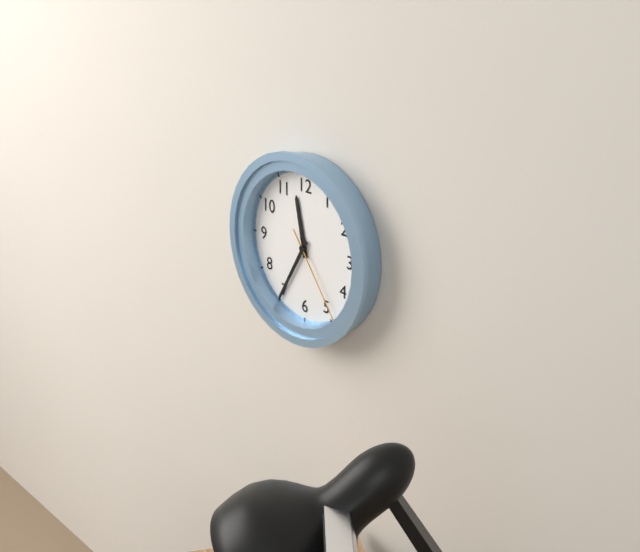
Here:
h=11 m=35 s=24
